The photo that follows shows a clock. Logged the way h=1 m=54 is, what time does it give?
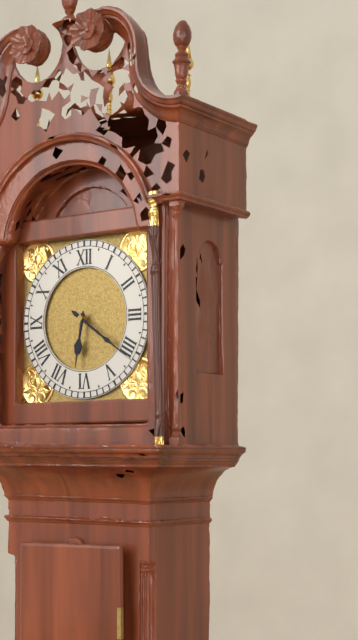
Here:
h=6 m=21
